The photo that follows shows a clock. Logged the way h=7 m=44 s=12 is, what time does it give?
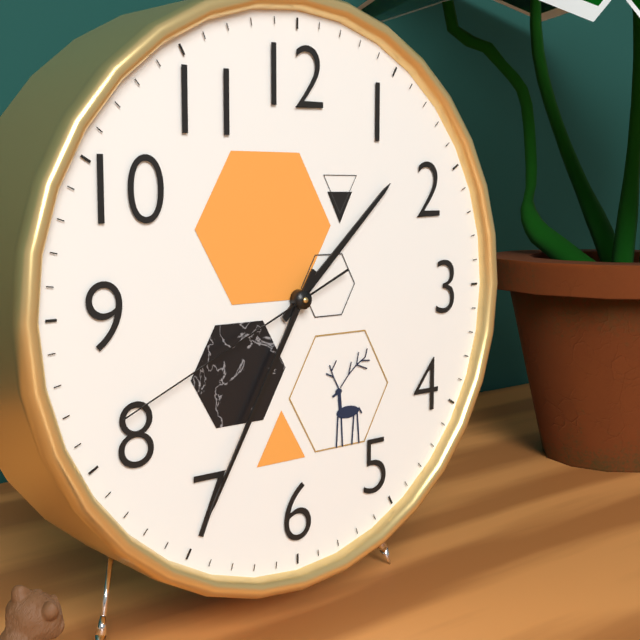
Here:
h=1 m=35 s=41
